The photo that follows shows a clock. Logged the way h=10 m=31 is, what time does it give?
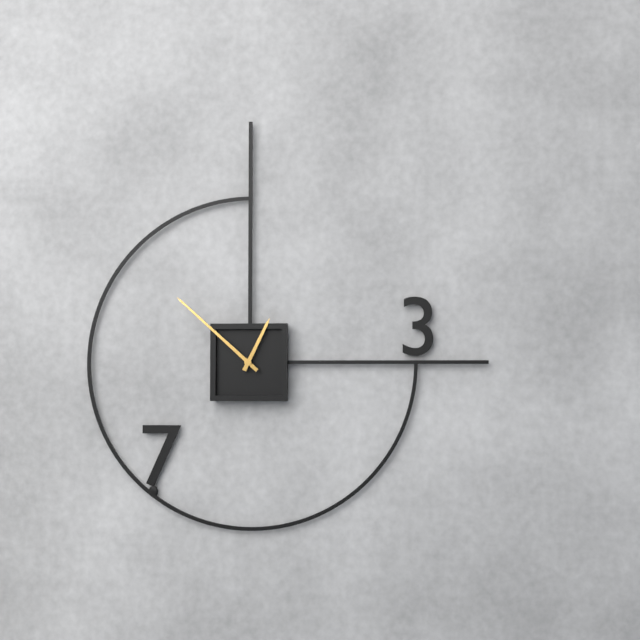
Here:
h=12 m=52
